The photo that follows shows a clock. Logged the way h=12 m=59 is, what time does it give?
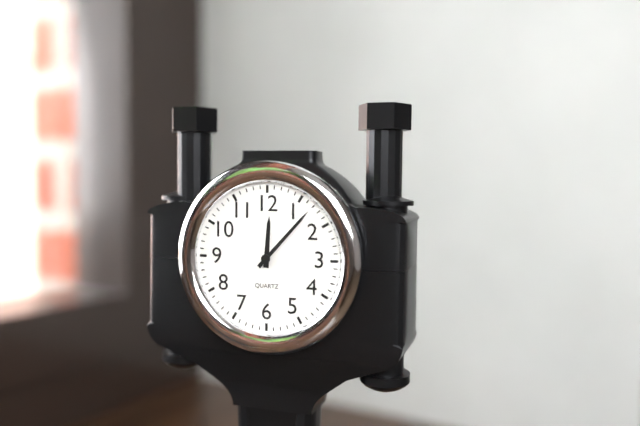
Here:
h=12 m=7
